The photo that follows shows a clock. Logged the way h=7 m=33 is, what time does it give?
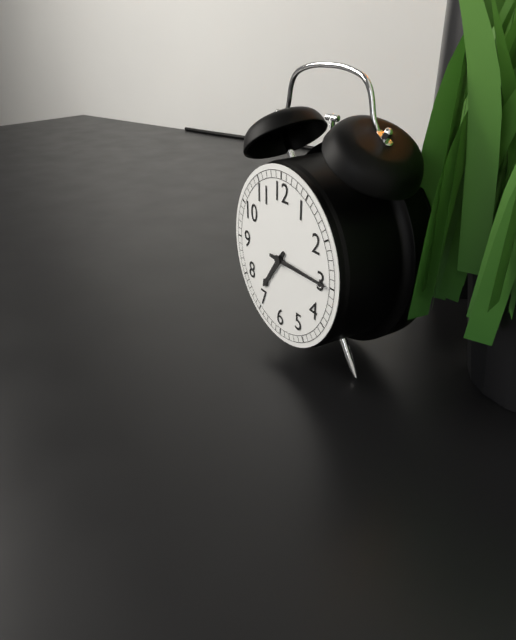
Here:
h=7 m=15
